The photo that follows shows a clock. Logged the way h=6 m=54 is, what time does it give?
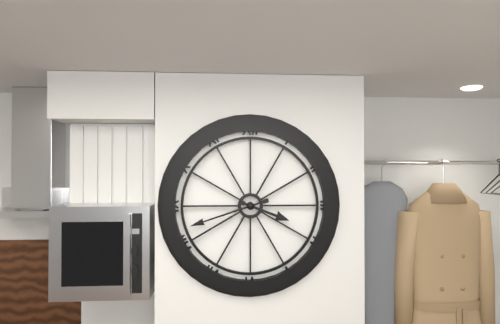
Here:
h=3 m=42
